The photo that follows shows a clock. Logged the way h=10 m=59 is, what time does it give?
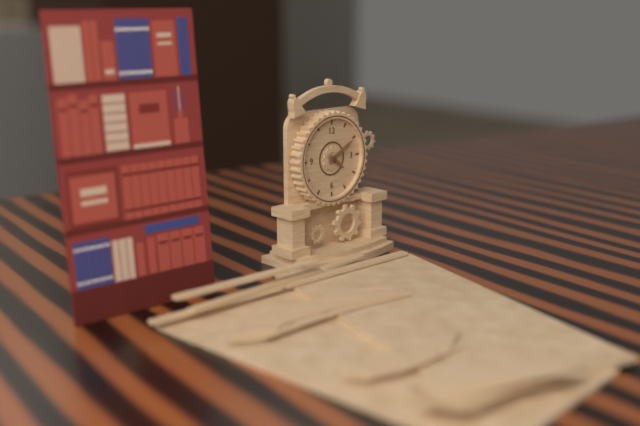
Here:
h=4 m=10
